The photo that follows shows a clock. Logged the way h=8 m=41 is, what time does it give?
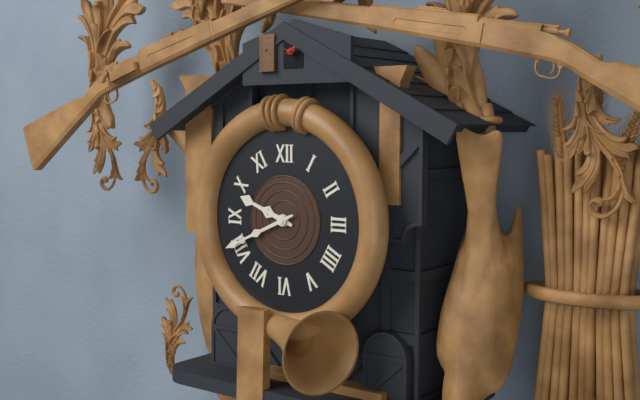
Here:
h=9 m=41
